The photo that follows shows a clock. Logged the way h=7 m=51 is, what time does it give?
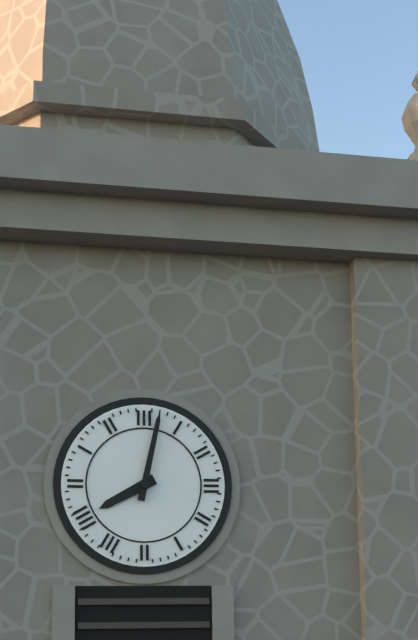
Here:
h=8 m=2
